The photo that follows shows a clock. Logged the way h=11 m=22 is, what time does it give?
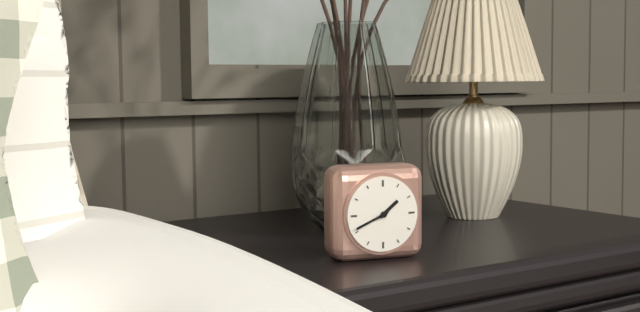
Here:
h=1 m=41
